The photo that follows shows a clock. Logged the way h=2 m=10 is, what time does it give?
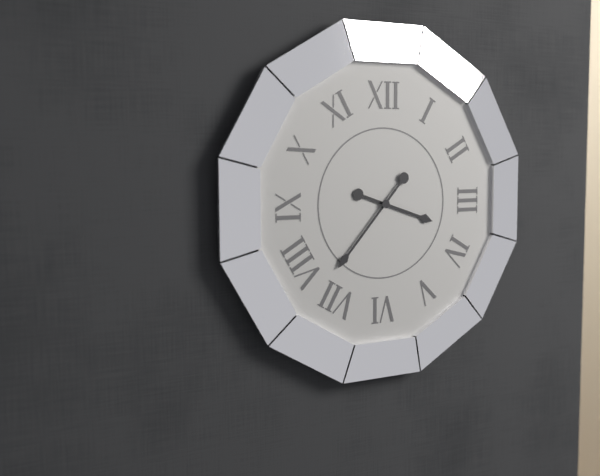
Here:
h=3 m=37
